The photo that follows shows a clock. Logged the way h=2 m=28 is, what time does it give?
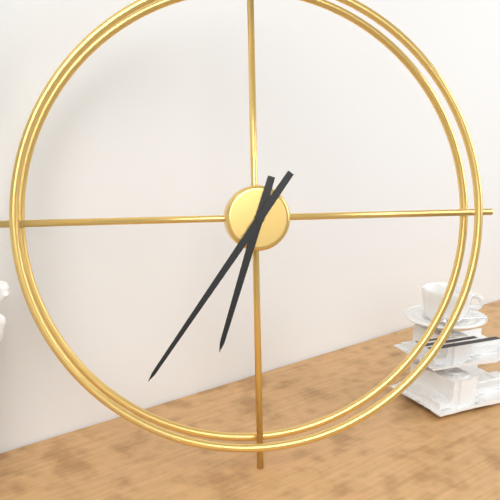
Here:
h=6 m=36
